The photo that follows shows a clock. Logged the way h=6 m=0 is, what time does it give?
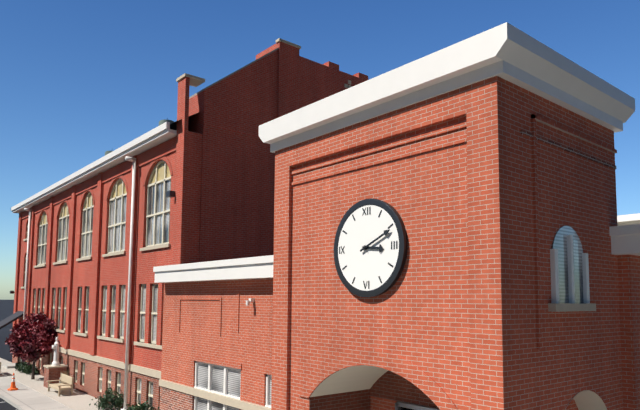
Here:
h=3 m=11
